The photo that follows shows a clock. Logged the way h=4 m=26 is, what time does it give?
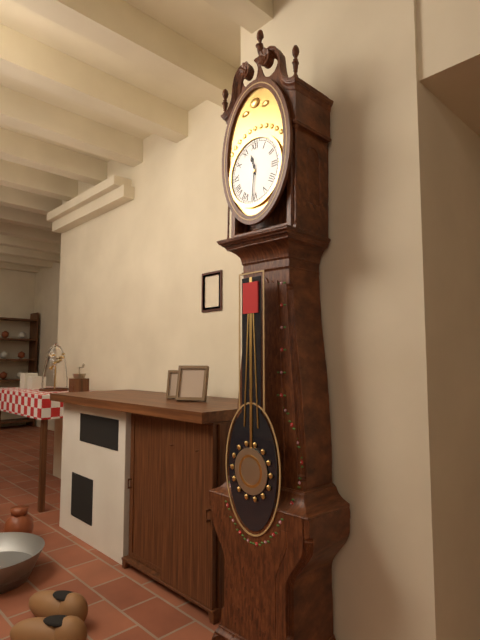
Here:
h=11 m=31
